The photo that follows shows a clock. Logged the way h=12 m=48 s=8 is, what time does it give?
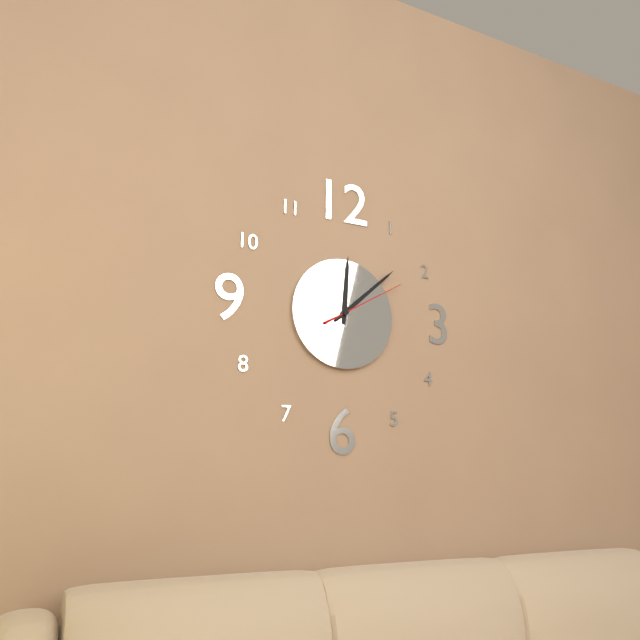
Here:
h=12 m=8 s=10
